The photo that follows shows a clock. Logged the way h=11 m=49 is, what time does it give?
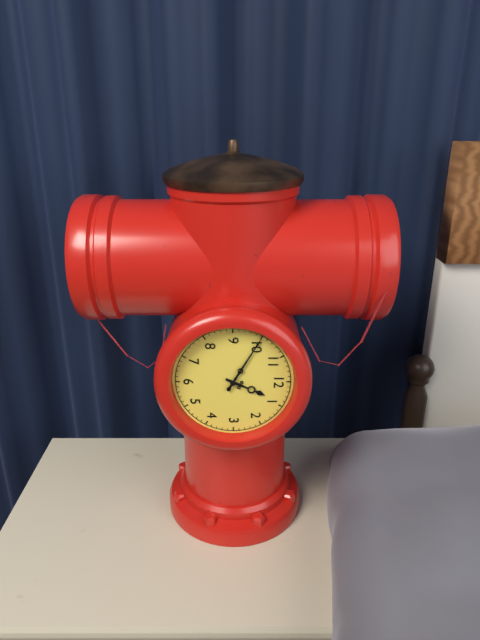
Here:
h=12 m=50
